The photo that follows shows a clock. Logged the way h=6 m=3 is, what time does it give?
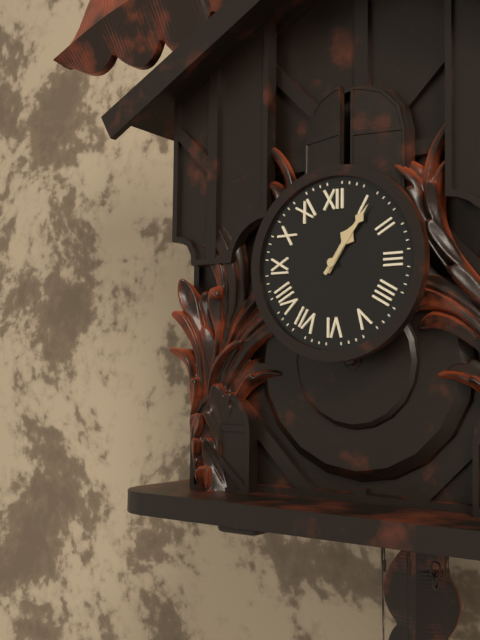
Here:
h=1 m=6
